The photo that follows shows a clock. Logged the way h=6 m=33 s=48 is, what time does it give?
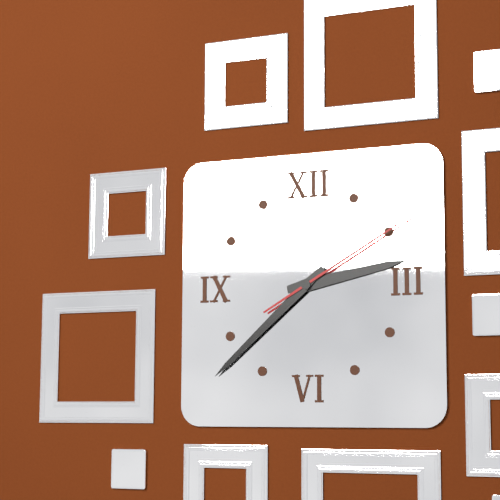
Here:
h=2 m=38 s=10
